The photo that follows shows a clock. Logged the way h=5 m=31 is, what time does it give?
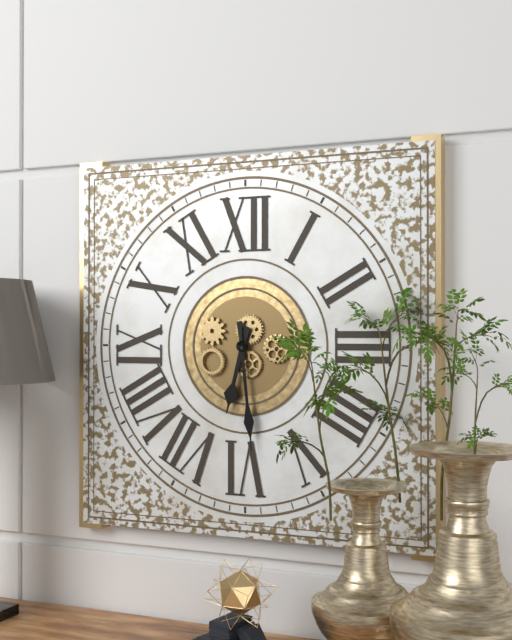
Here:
h=6 m=29
